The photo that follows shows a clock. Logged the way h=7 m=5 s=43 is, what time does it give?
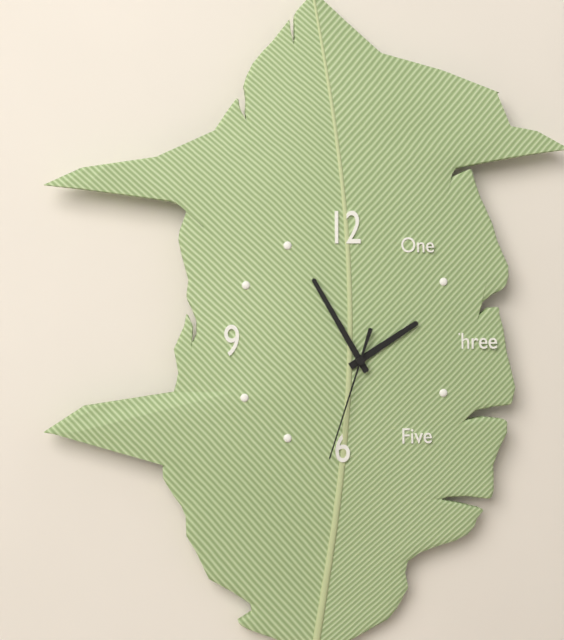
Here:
h=1 m=55 s=33
